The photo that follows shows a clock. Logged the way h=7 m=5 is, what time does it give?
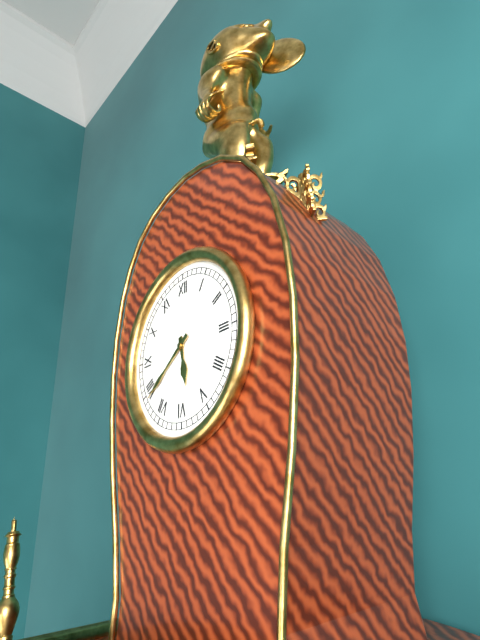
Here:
h=5 m=39
